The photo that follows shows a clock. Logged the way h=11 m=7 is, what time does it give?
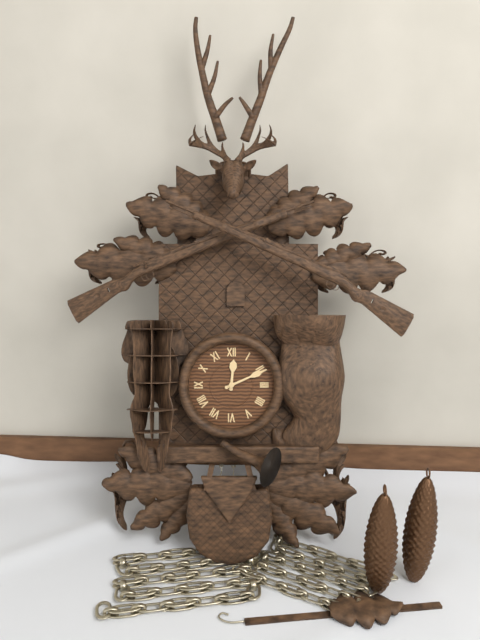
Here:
h=12 m=11
